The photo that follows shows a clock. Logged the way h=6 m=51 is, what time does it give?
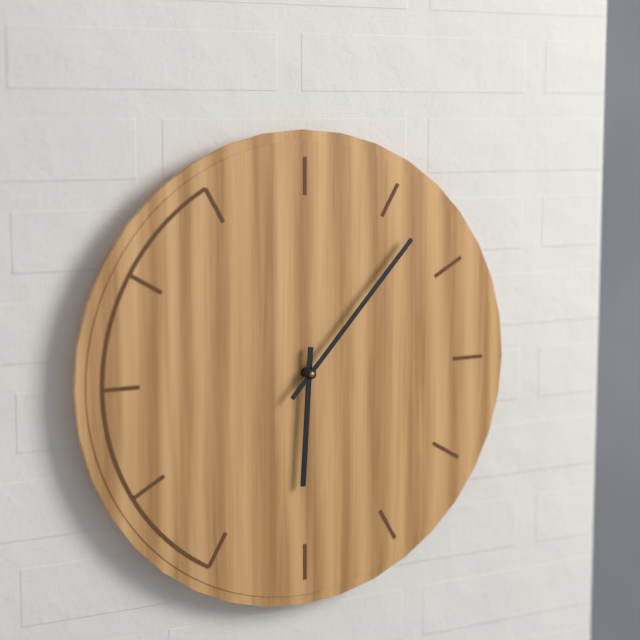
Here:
h=6 m=7
